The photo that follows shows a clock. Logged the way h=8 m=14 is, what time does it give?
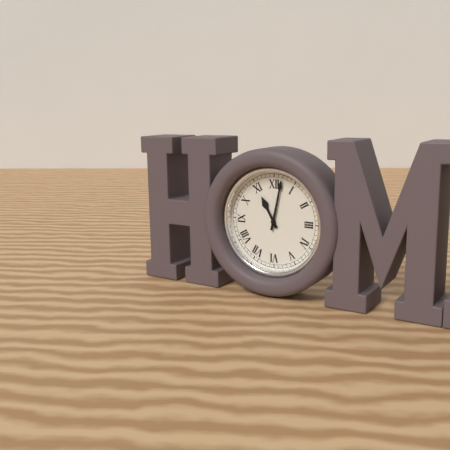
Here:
h=11 m=2
